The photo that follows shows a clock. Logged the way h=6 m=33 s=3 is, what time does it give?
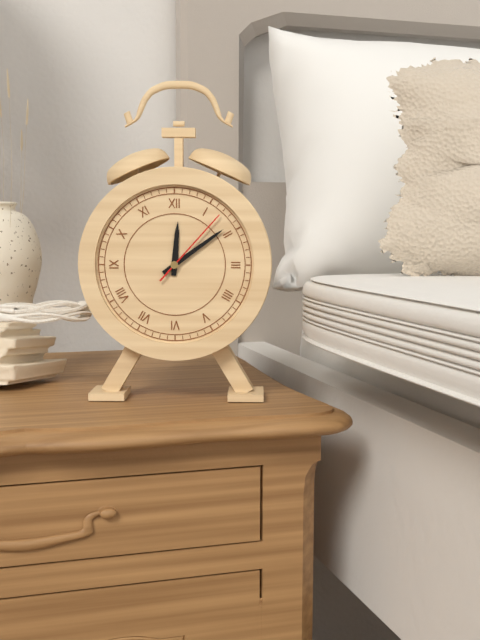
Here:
h=12 m=9 s=7
